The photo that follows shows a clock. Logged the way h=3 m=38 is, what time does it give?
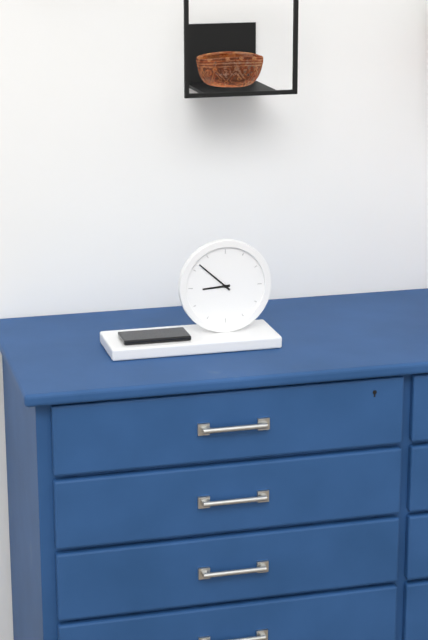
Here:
h=8 m=52
